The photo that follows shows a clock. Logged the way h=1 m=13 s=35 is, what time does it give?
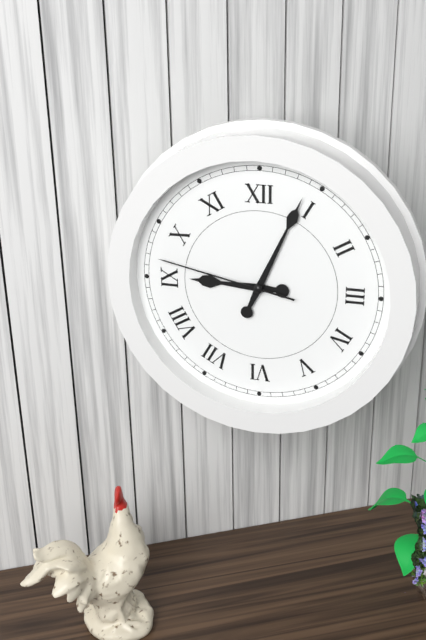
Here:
h=9 m=4 s=47
